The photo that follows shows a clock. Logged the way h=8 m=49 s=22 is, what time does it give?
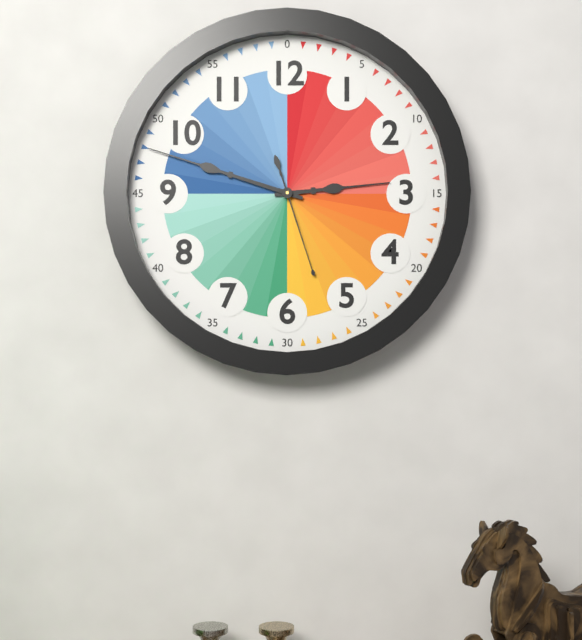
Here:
h=2 m=48 s=27
